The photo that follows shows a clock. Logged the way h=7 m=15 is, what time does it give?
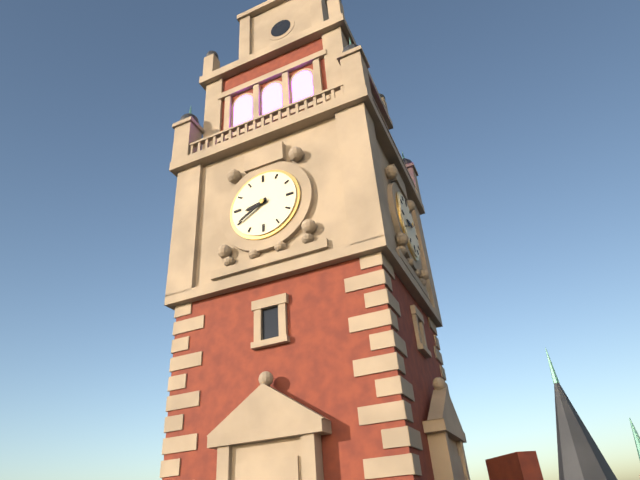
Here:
h=8 m=40
